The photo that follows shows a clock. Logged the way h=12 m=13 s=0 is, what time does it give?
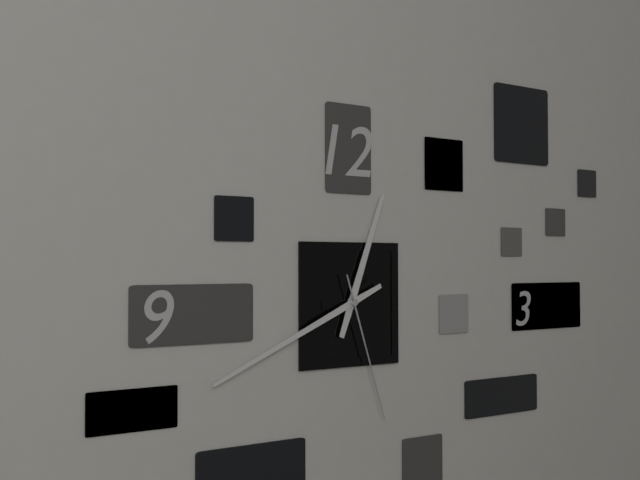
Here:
h=12 m=41 s=27
